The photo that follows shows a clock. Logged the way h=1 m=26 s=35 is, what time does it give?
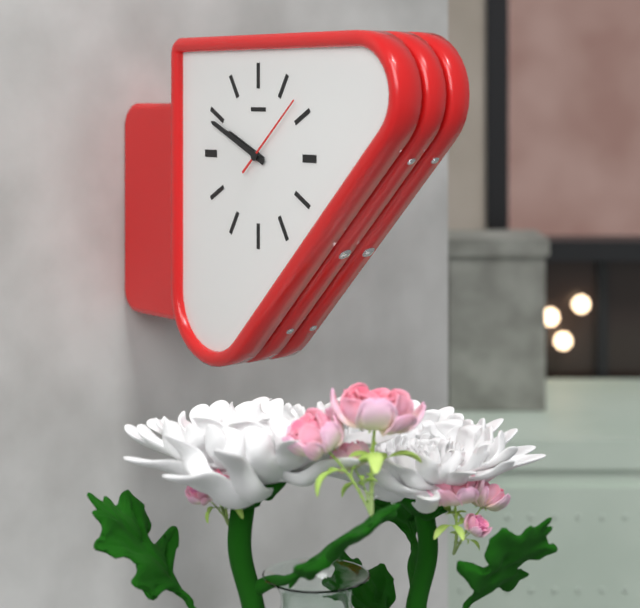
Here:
h=9 m=49 s=8
